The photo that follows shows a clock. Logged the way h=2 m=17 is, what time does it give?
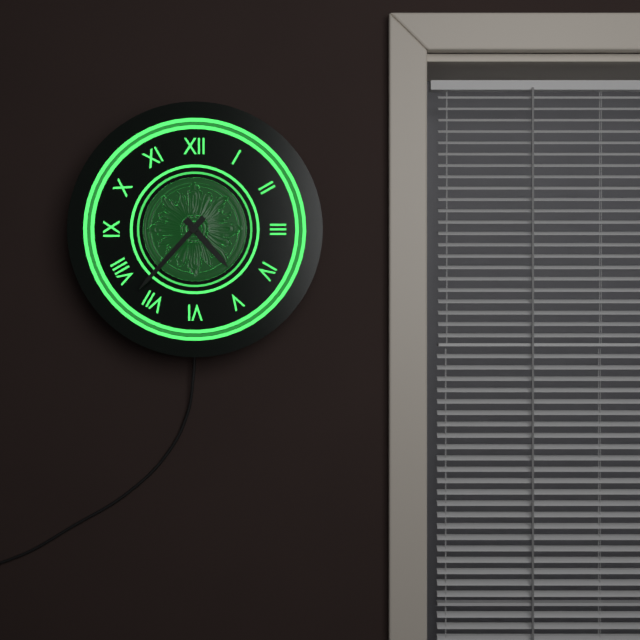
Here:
h=4 m=37
